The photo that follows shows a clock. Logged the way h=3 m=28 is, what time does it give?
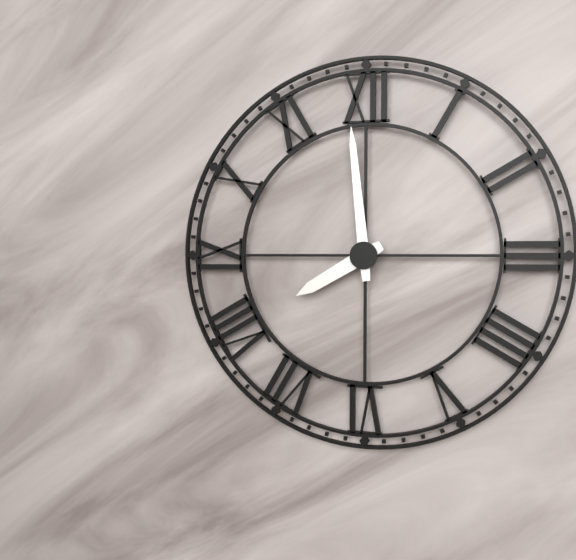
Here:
h=7 m=59
